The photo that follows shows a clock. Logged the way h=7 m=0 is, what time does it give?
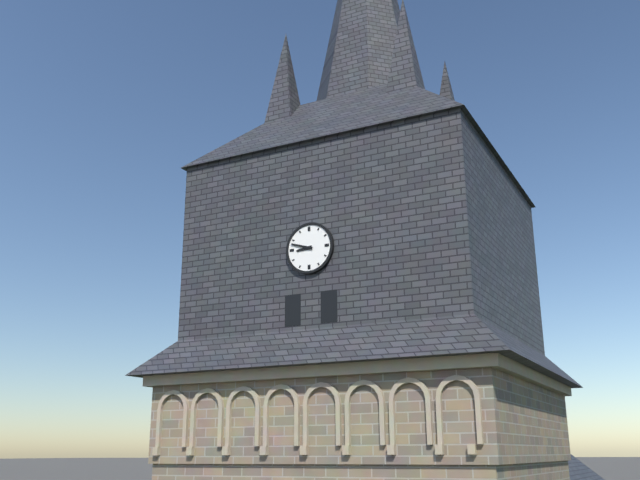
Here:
h=8 m=48
